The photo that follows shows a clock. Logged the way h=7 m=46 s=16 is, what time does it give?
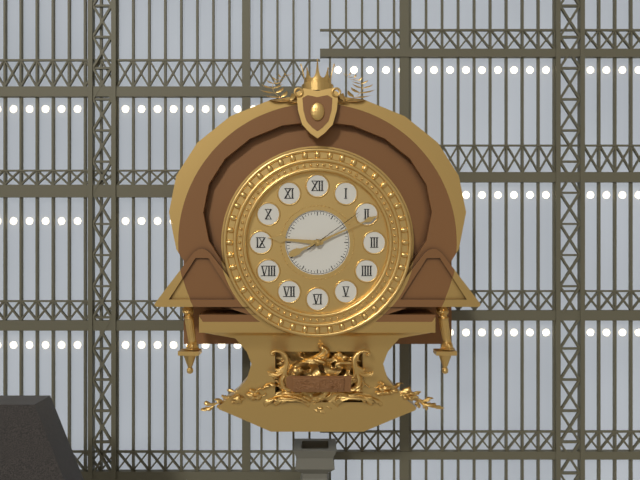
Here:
h=9 m=11 s=9
